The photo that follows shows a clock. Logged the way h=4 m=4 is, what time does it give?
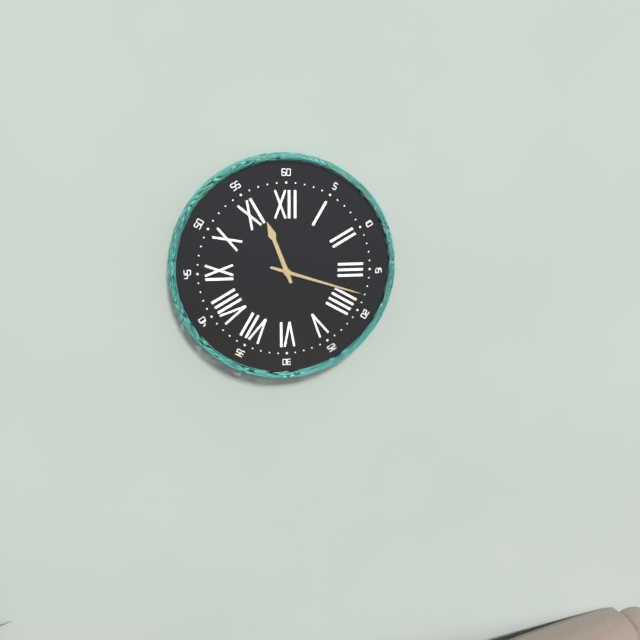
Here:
h=11 m=18
